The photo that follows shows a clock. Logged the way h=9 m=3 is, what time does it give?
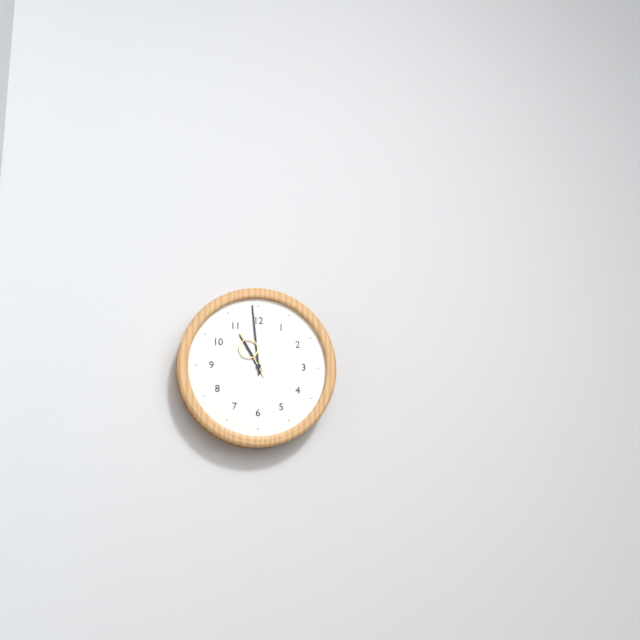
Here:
h=10 m=59
